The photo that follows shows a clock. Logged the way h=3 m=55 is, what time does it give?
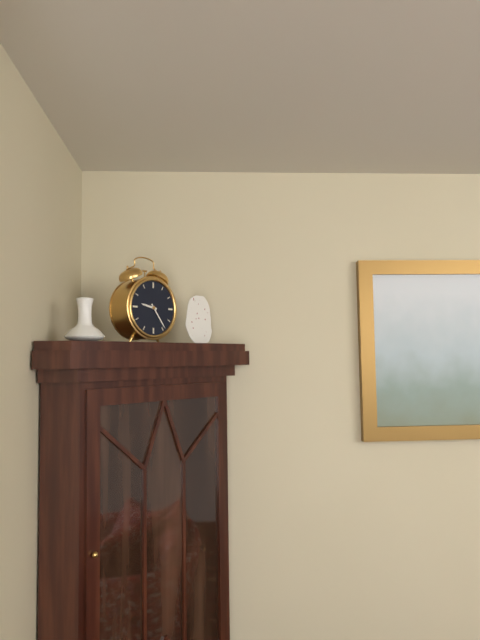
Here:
h=9 m=24
